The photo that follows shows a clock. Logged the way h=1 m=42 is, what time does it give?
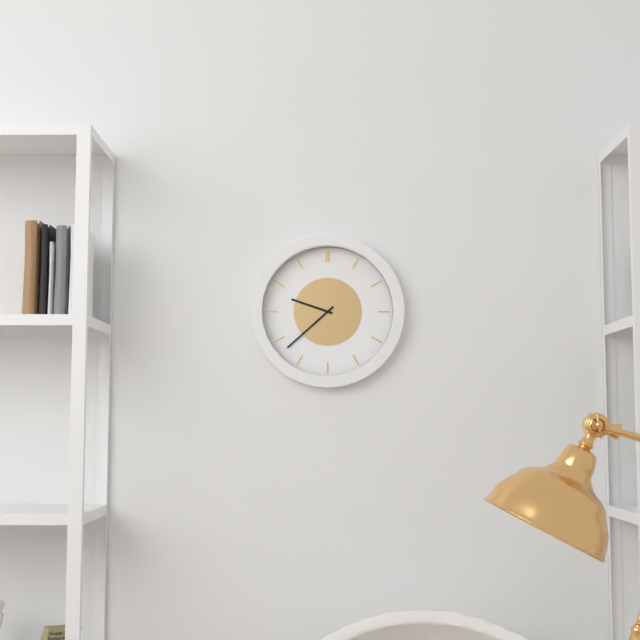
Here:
h=9 m=38
